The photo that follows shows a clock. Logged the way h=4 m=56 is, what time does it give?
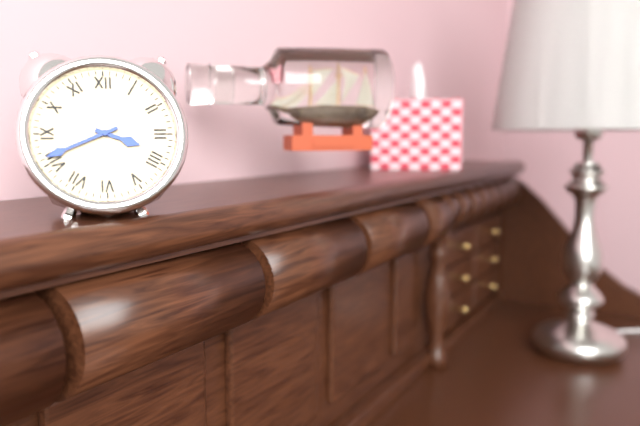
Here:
h=3 m=41
